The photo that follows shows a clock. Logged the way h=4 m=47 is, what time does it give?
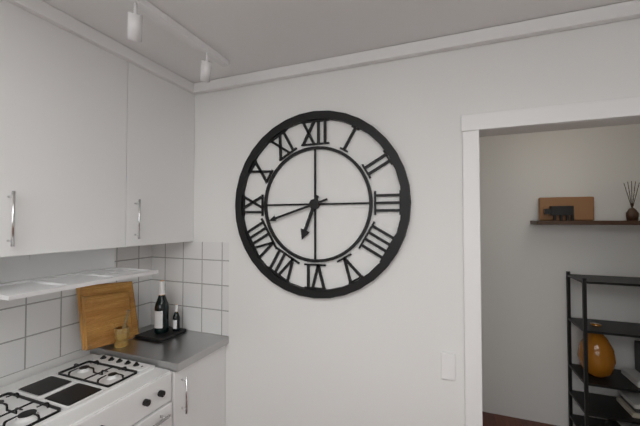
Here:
h=6 m=42
